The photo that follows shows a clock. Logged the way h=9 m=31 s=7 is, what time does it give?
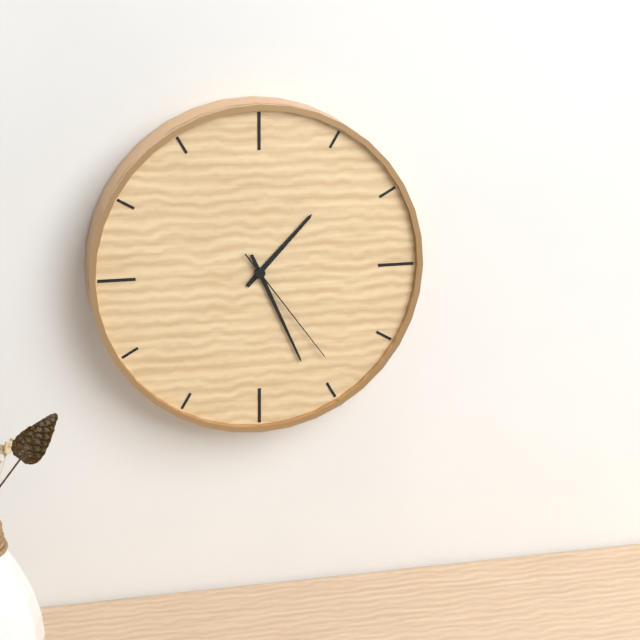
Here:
h=1 m=26 s=24
